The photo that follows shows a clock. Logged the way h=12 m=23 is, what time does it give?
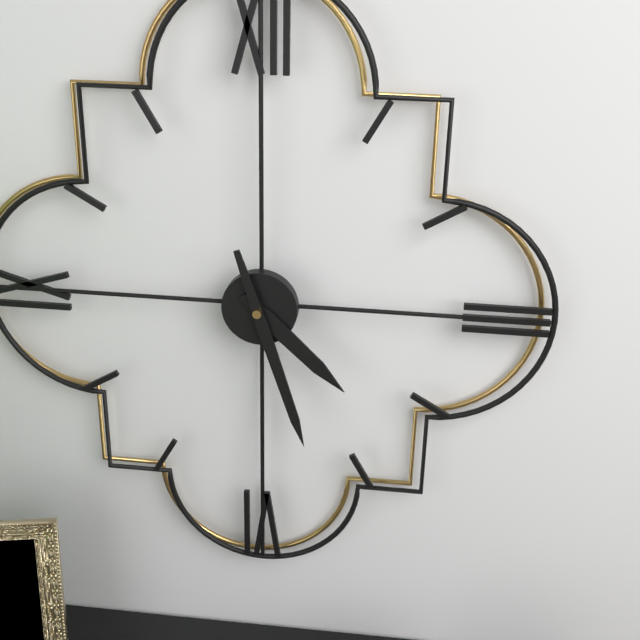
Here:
h=4 m=27
